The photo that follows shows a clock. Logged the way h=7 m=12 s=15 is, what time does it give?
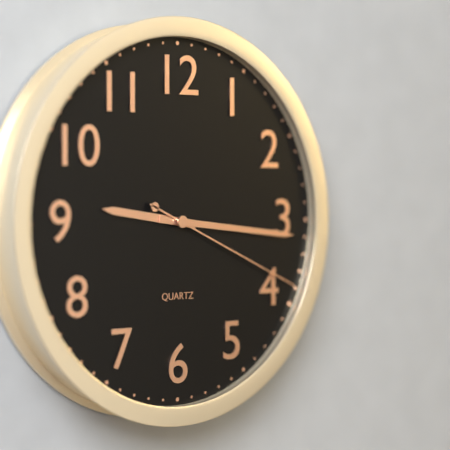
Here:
h=9 m=16 s=19
